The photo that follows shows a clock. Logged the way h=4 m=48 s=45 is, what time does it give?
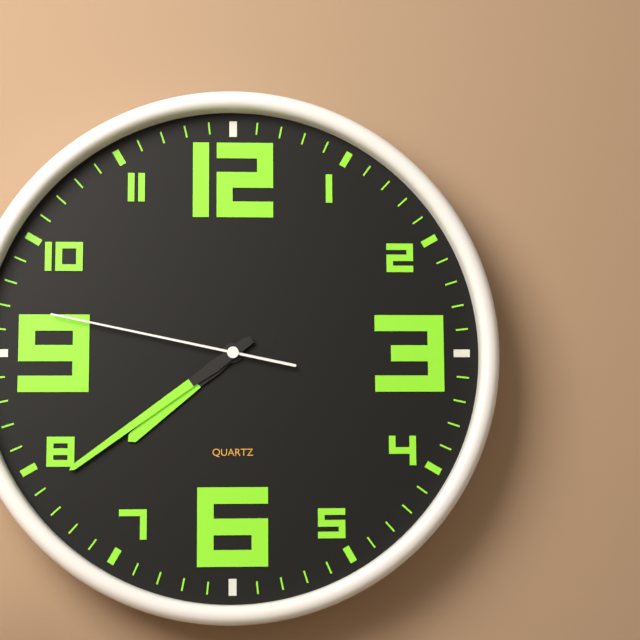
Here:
h=7 m=39 s=47
